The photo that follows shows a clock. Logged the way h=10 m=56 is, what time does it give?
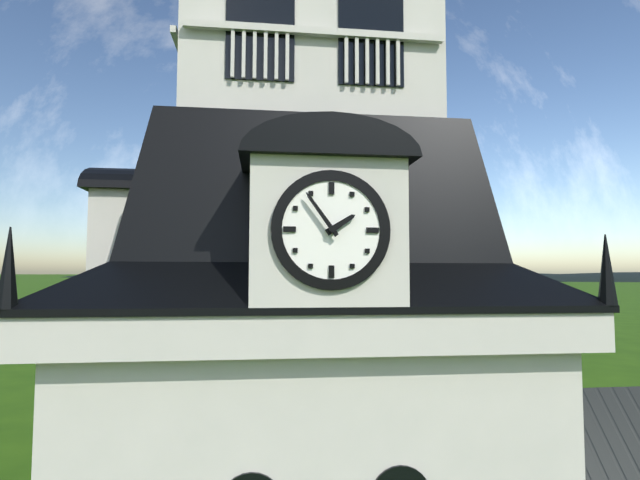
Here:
h=1 m=54
